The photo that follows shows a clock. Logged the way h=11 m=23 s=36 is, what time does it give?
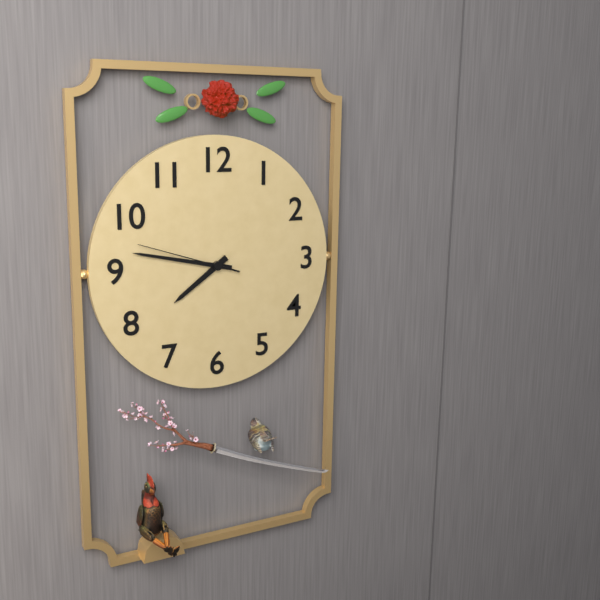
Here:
h=7 m=47 s=48
